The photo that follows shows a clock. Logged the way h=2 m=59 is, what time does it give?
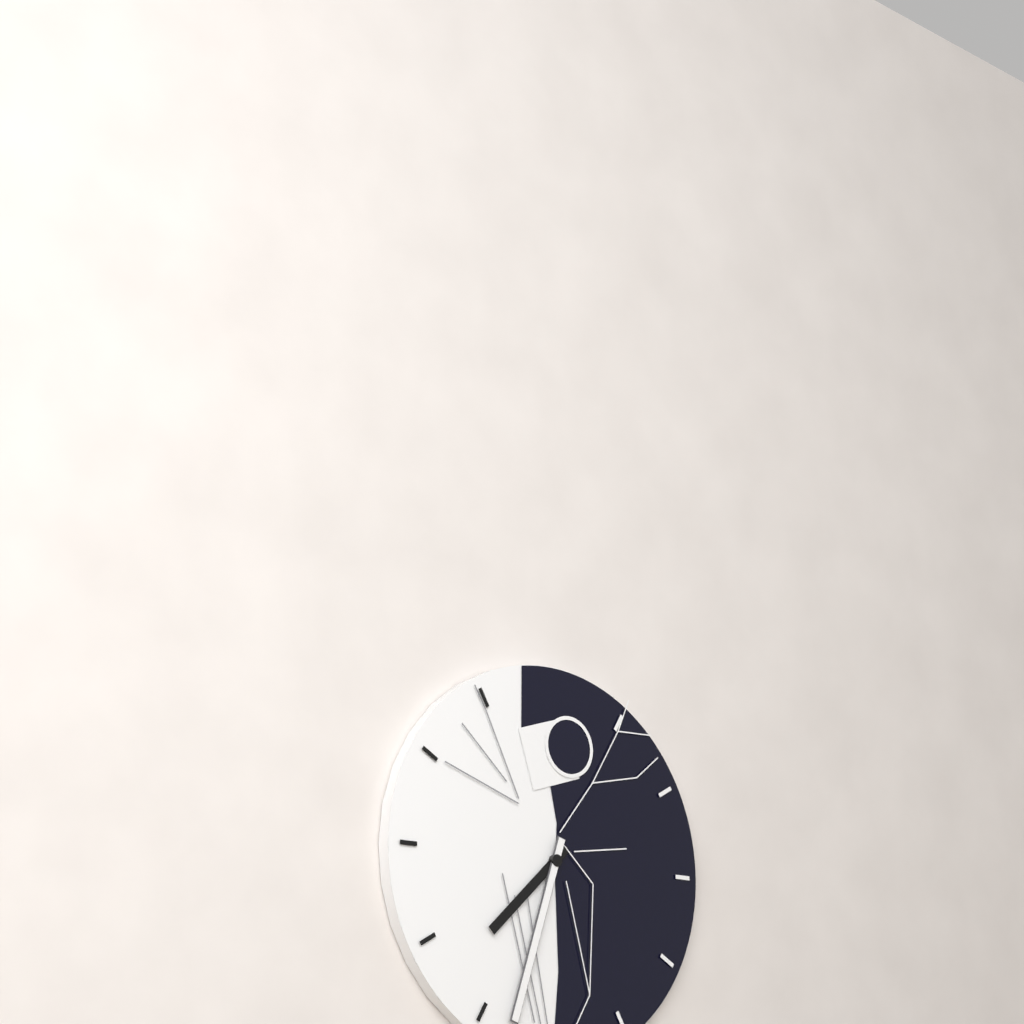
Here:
h=7 m=33
